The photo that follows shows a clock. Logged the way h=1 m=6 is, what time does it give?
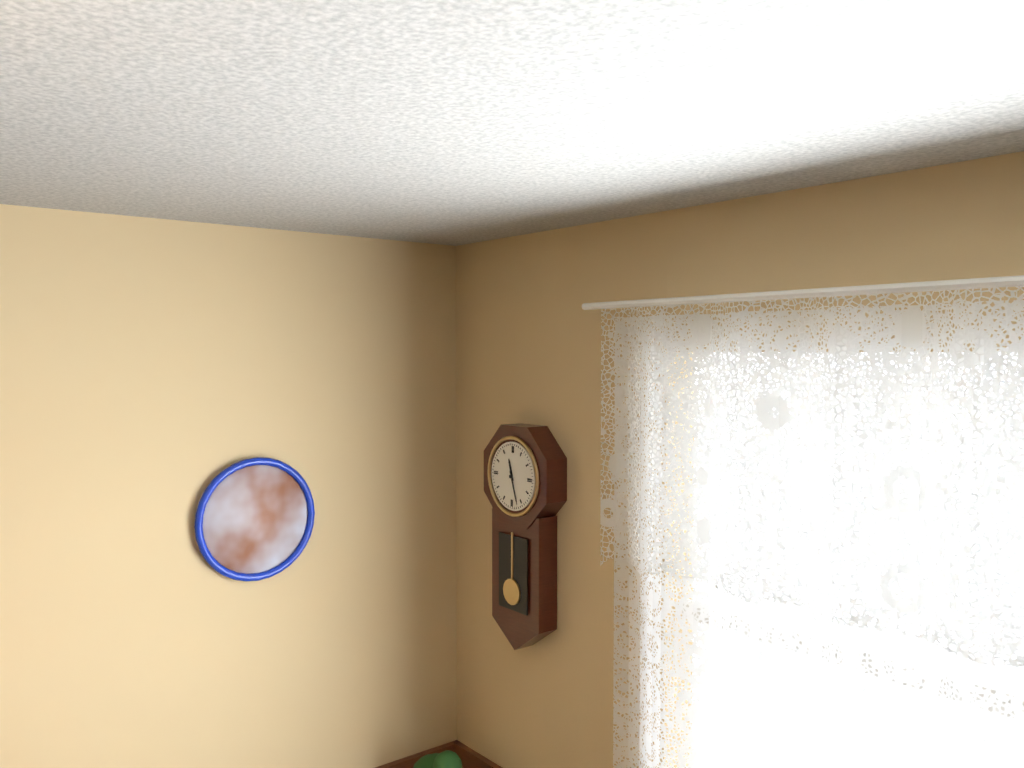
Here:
h=11 m=27
